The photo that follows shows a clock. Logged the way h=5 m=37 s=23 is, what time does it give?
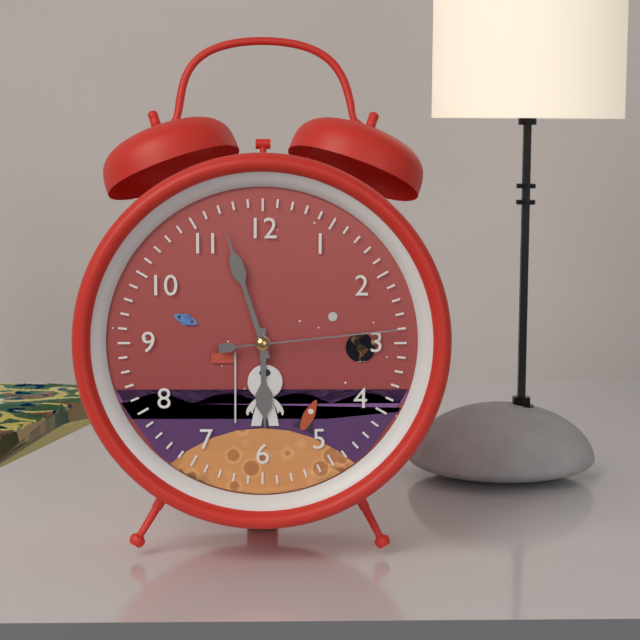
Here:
h=5 m=57 s=14
